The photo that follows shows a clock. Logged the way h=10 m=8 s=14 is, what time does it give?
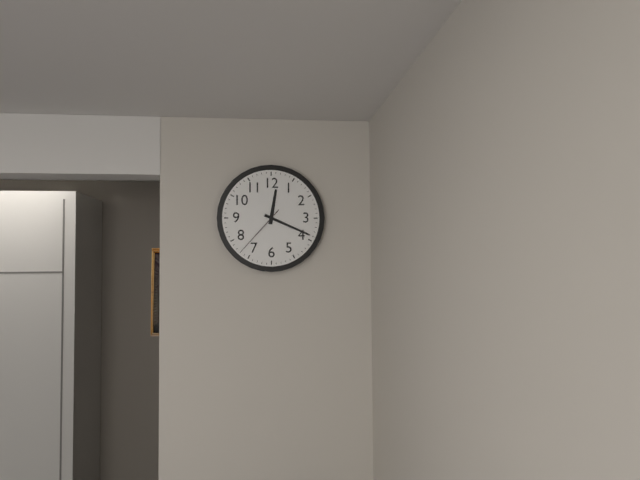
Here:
h=12 m=19 s=37
